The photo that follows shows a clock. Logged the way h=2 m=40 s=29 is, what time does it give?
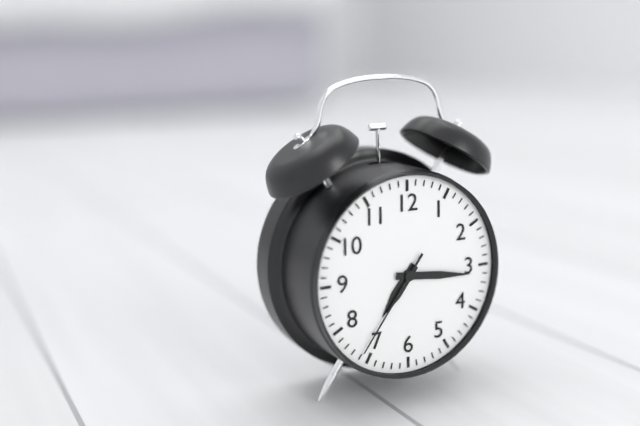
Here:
h=7 m=16 s=36
